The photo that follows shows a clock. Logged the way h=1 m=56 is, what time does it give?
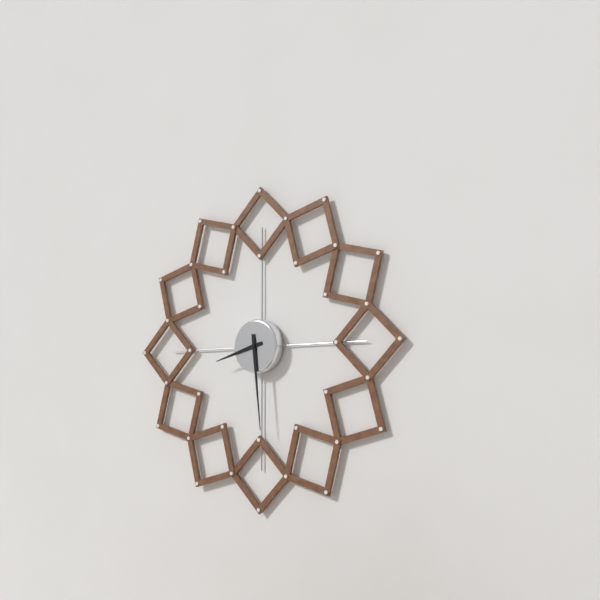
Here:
h=8 m=29
